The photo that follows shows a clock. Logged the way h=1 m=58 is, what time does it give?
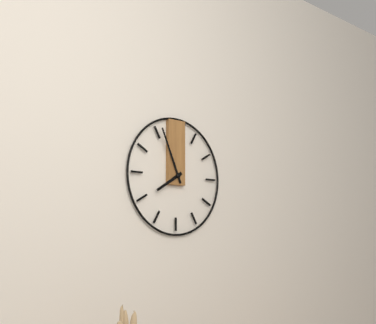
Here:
h=7 m=56
